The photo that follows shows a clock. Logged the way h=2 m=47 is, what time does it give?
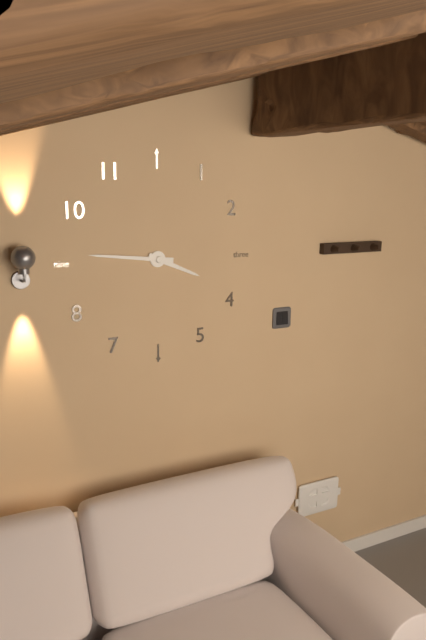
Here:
h=3 m=46
